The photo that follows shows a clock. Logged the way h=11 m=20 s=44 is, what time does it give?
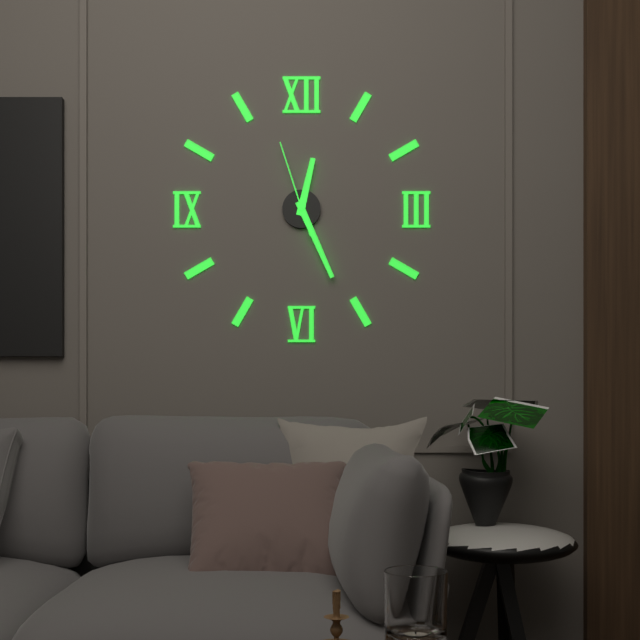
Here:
h=12 m=26 s=57
